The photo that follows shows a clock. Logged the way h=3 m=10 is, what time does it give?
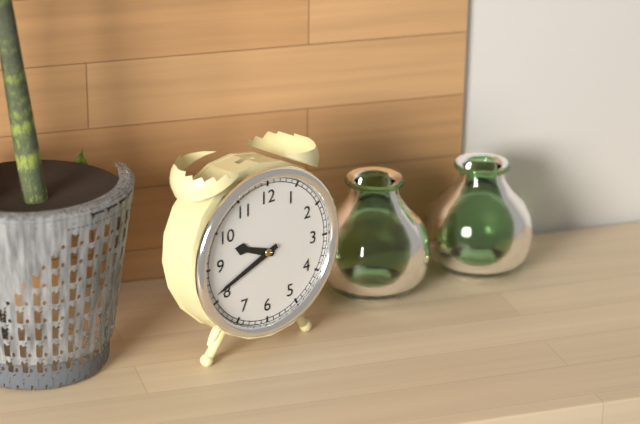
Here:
h=9 m=41
